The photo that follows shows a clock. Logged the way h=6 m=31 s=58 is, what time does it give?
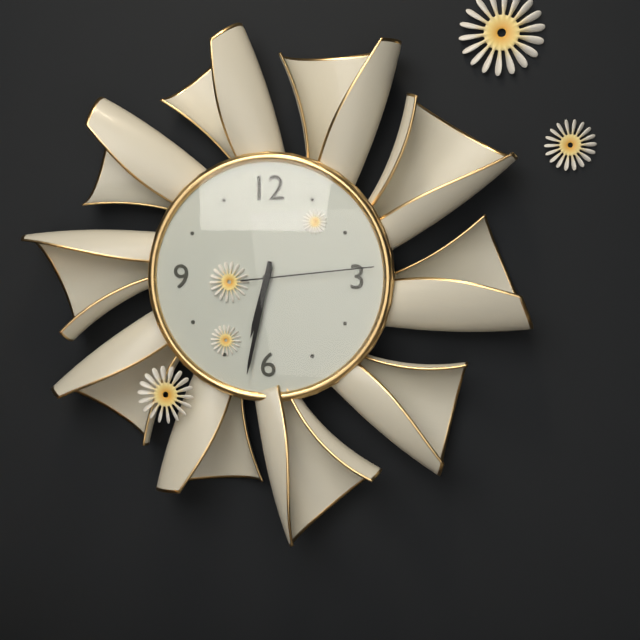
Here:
h=6 m=32 s=14
